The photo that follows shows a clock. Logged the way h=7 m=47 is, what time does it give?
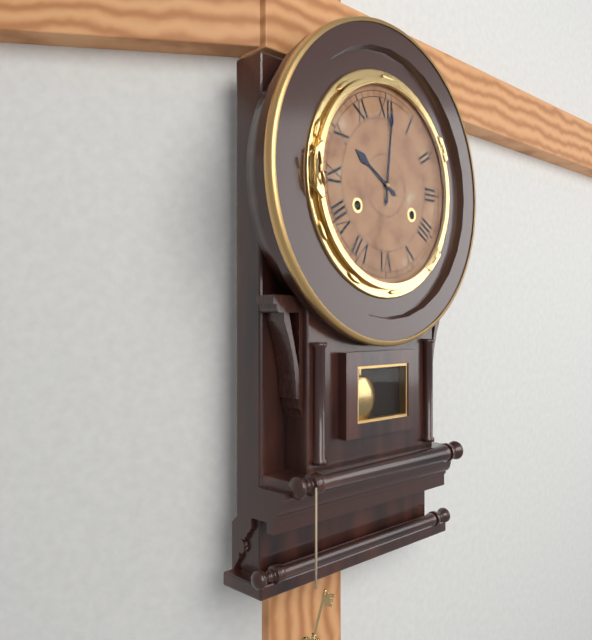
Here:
h=10 m=1
